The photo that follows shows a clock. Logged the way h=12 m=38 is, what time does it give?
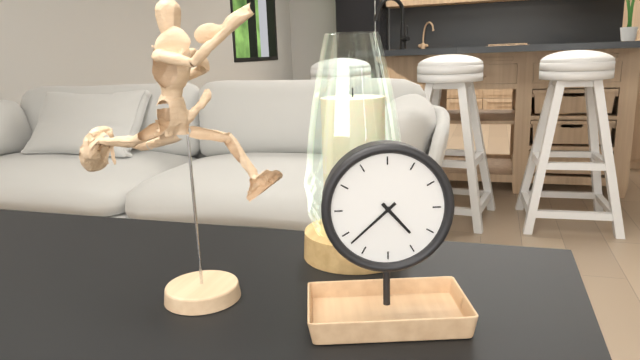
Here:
h=4 m=38
